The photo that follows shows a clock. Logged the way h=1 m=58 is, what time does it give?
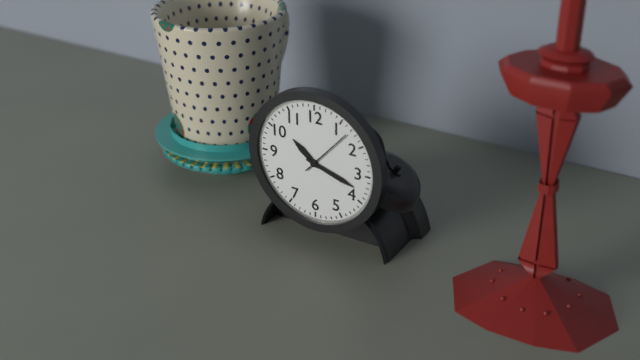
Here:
h=10 m=18
